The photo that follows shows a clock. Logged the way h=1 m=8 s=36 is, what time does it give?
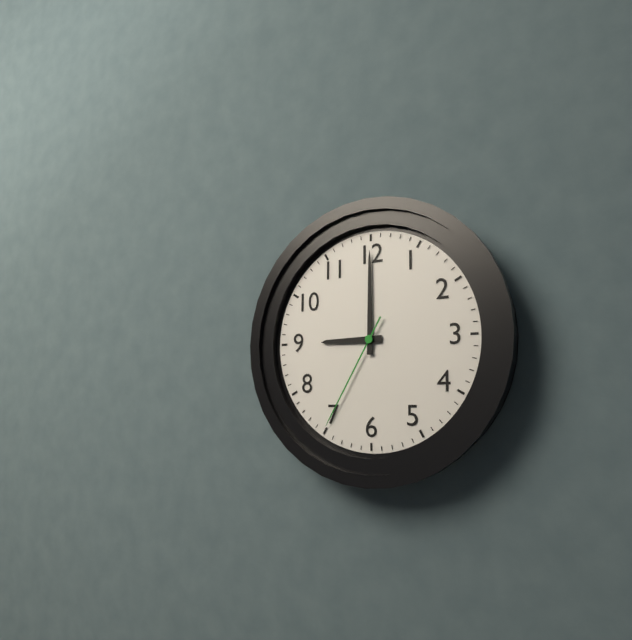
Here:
h=9 m=0 s=35
